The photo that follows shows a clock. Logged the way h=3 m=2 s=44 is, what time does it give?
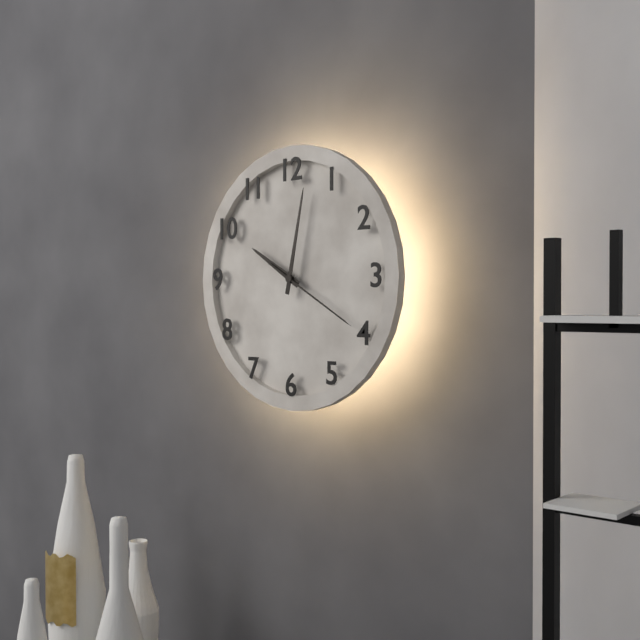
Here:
h=10 m=2 s=20
